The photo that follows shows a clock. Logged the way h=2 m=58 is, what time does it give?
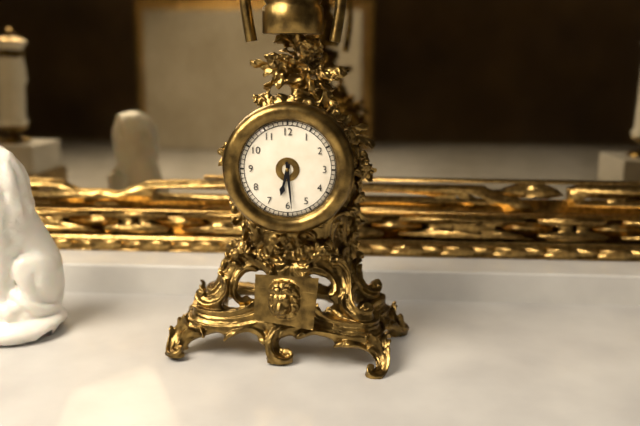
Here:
h=6 m=29
